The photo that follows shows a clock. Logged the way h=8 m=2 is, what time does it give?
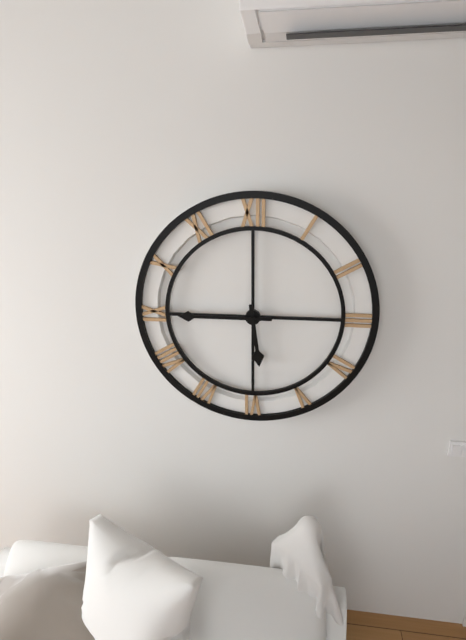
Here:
h=5 m=45
